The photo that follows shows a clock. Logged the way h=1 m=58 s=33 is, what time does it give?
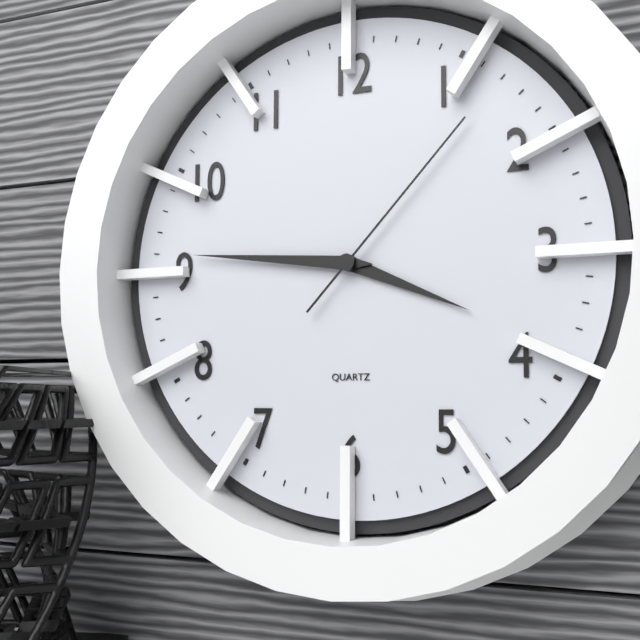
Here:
h=3 m=46 s=7
